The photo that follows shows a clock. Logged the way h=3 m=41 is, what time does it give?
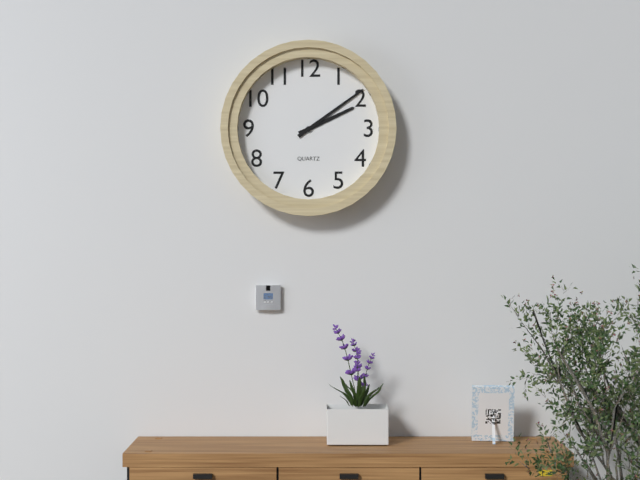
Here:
h=2 m=9
